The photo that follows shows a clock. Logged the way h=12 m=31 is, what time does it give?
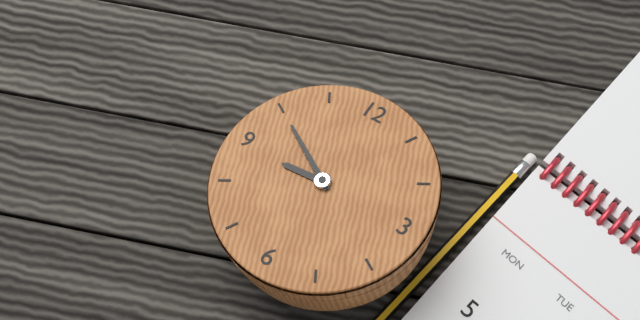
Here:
h=8 m=50
